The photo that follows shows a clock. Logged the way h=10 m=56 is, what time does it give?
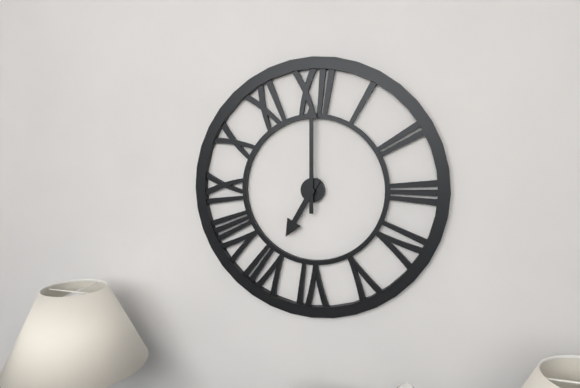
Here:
h=7 m=0
